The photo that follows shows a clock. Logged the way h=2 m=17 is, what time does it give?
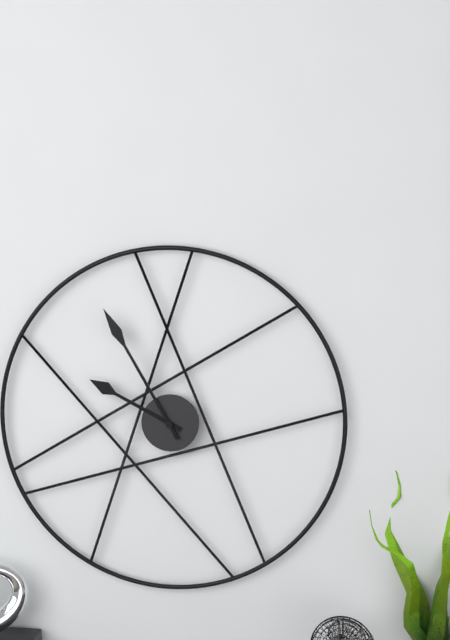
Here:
h=9 m=55
